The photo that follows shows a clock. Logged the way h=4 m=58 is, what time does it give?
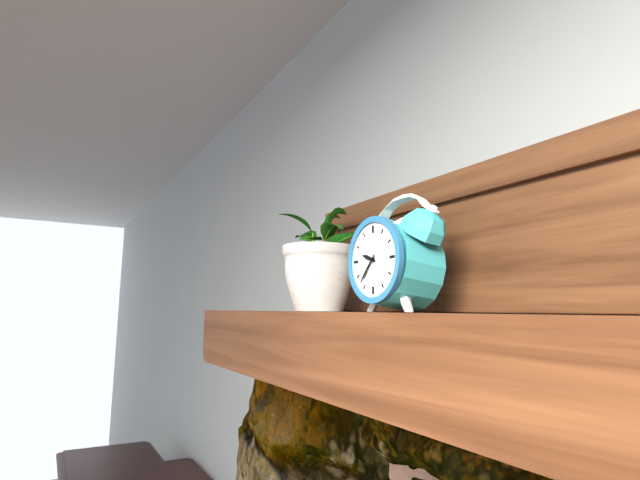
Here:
h=9 m=37
